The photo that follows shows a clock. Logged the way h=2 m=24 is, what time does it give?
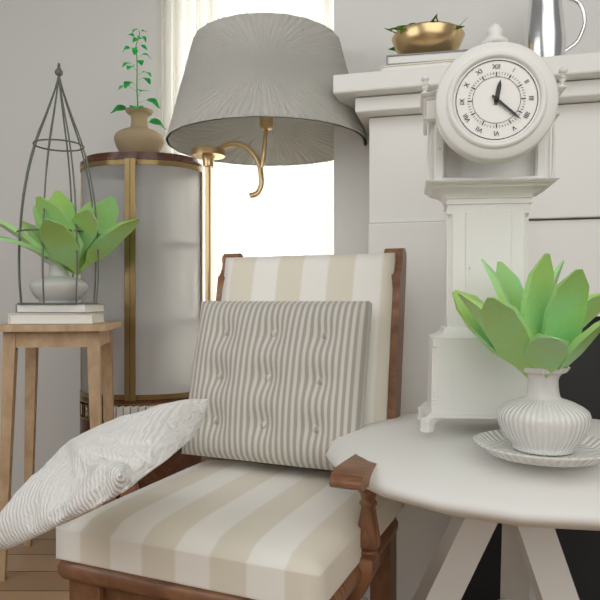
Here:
h=12 m=22
